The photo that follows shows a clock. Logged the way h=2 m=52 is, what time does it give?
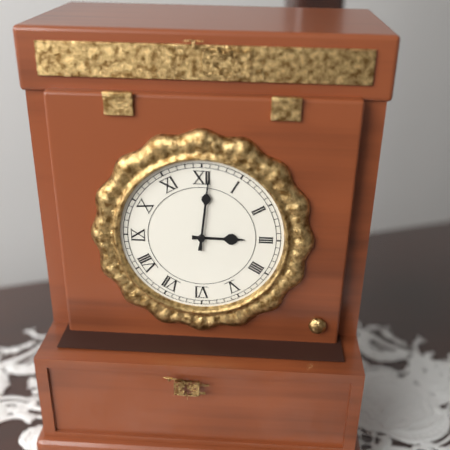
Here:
h=3 m=1
